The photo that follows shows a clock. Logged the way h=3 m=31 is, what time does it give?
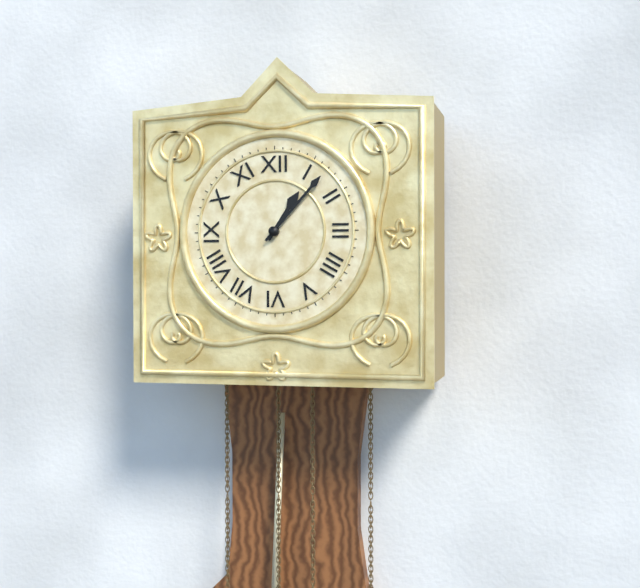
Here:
h=1 m=7
